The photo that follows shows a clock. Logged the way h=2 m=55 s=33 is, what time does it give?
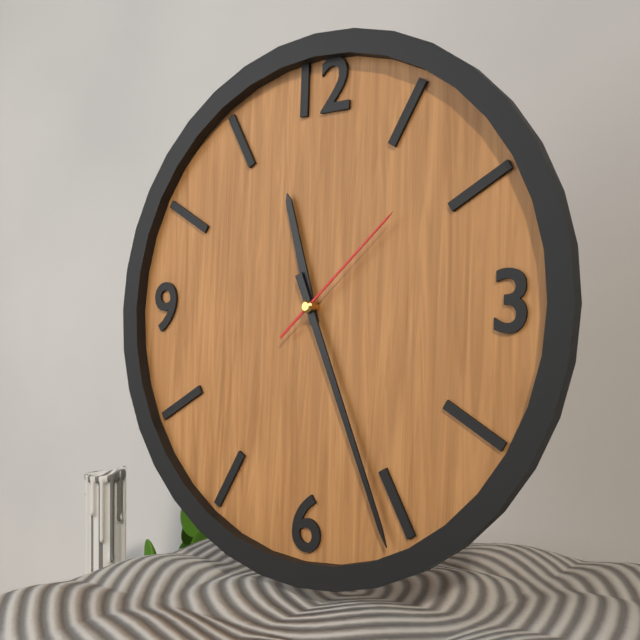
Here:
h=11 m=26 s=8
